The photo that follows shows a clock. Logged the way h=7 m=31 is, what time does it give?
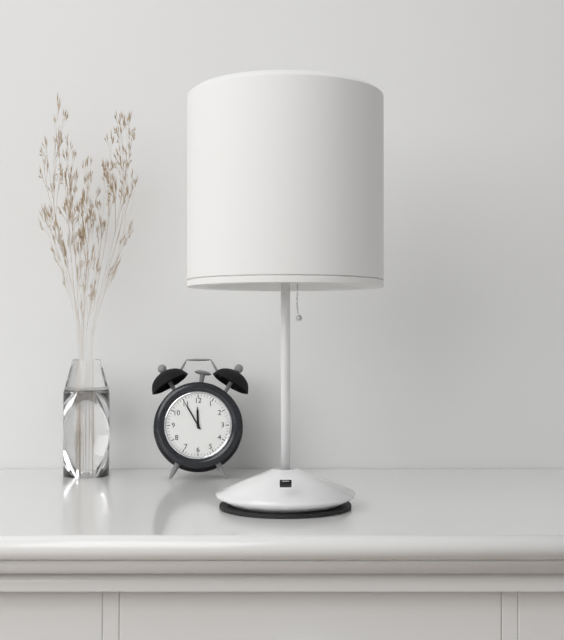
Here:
h=11 m=55
